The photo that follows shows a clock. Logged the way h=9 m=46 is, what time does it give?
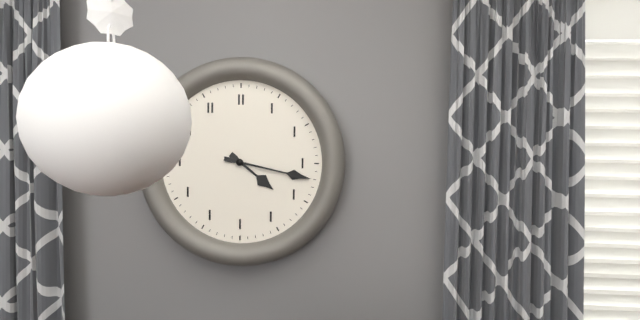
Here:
h=4 m=17
